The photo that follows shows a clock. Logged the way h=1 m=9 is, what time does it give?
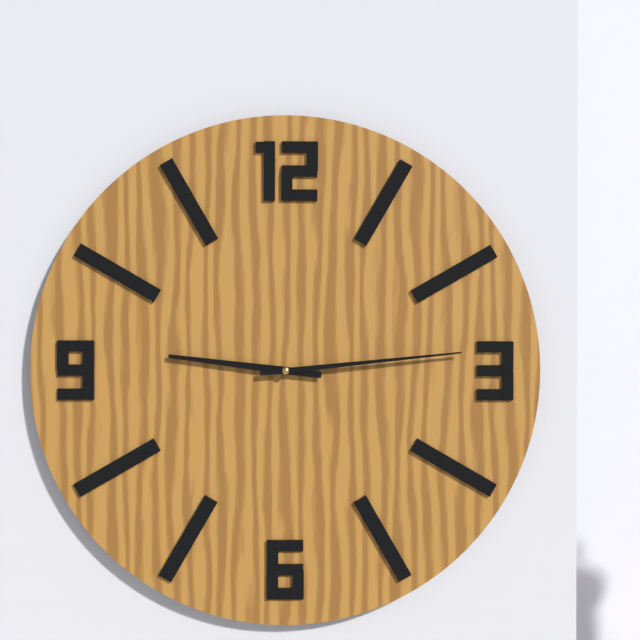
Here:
h=9 m=14
